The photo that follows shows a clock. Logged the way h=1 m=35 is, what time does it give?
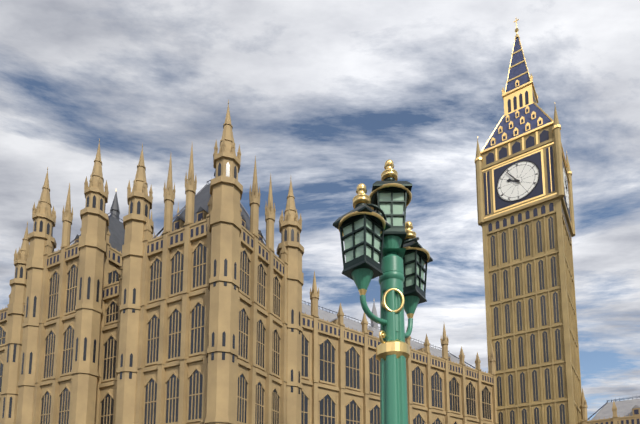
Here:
h=9 m=54
